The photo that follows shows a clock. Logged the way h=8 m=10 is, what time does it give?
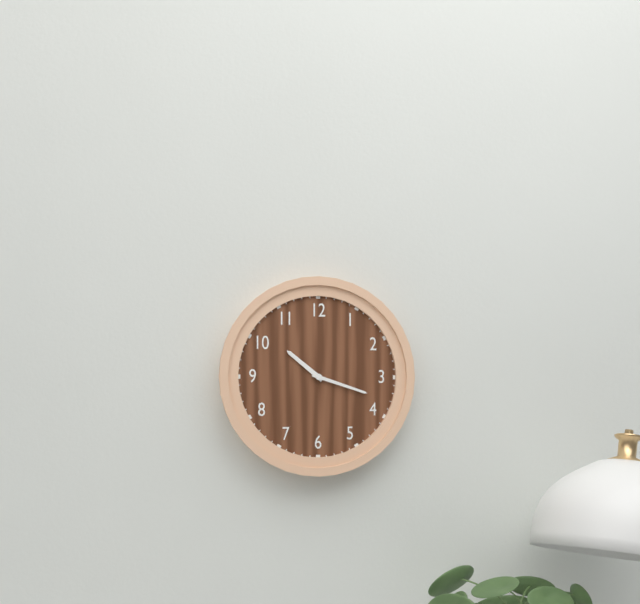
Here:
h=10 m=18
